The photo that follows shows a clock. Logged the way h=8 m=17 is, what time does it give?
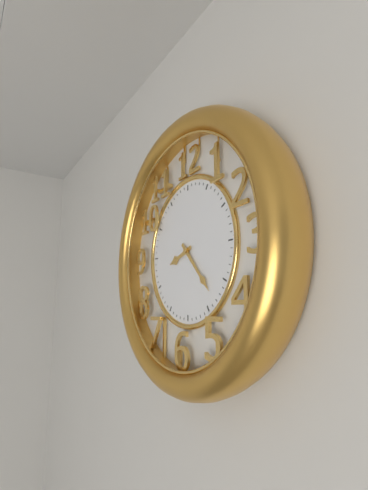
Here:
h=8 m=23
